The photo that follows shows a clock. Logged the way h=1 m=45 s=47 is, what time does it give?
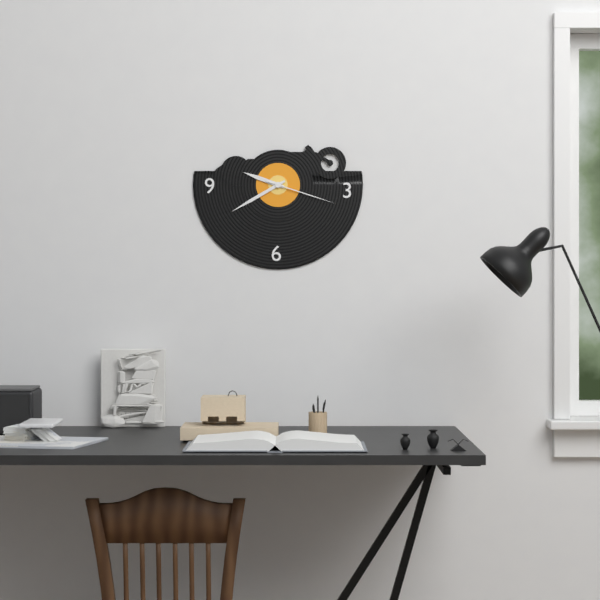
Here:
h=9 m=40 s=18
